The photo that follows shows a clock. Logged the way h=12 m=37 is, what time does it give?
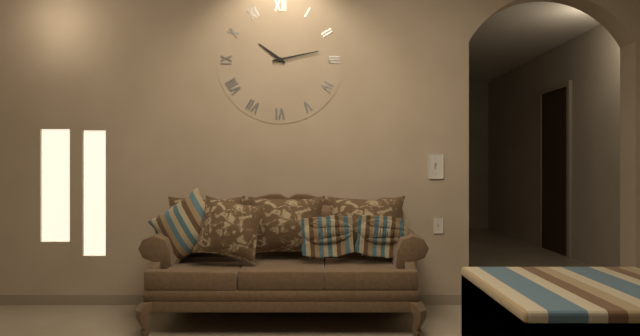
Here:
h=10 m=13
